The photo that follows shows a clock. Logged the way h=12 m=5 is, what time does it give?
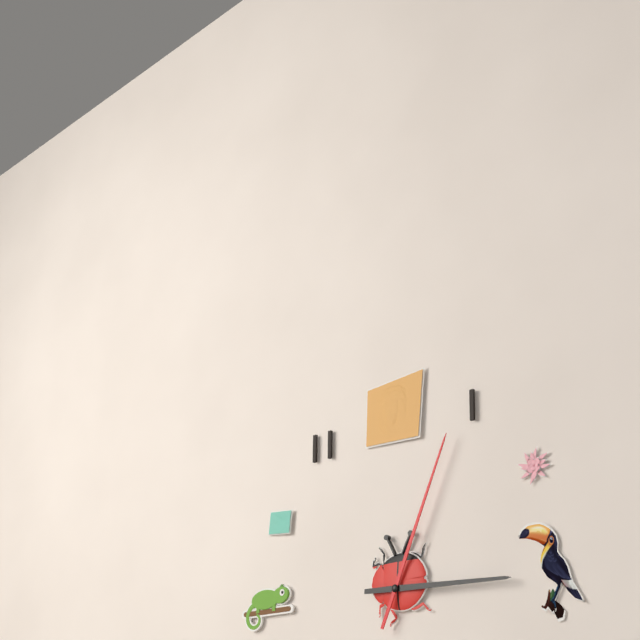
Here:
h=3 m=4
